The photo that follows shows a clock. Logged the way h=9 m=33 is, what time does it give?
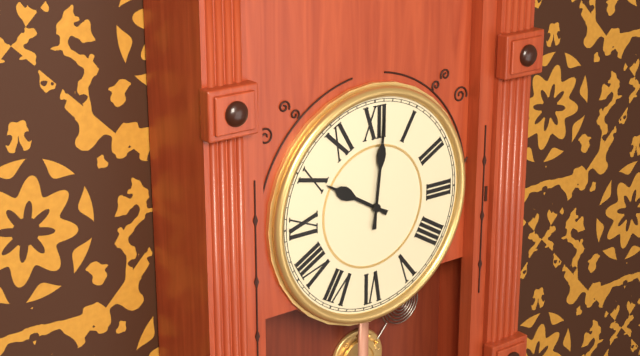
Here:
h=10 m=1
